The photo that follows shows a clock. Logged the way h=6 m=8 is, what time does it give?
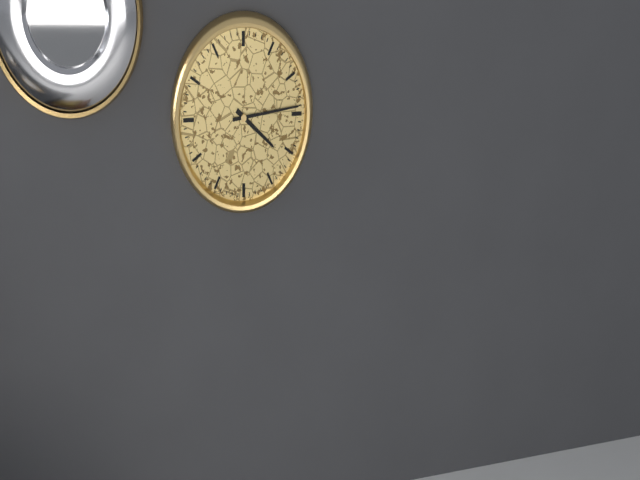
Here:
h=4 m=14
